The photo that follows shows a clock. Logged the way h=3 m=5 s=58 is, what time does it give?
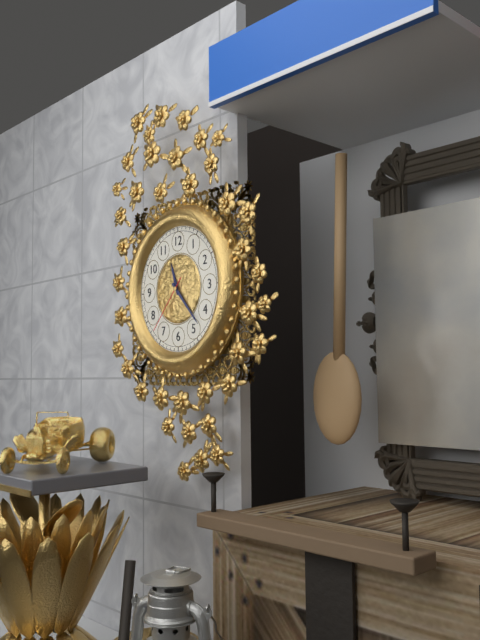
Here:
h=11 m=23 s=37
